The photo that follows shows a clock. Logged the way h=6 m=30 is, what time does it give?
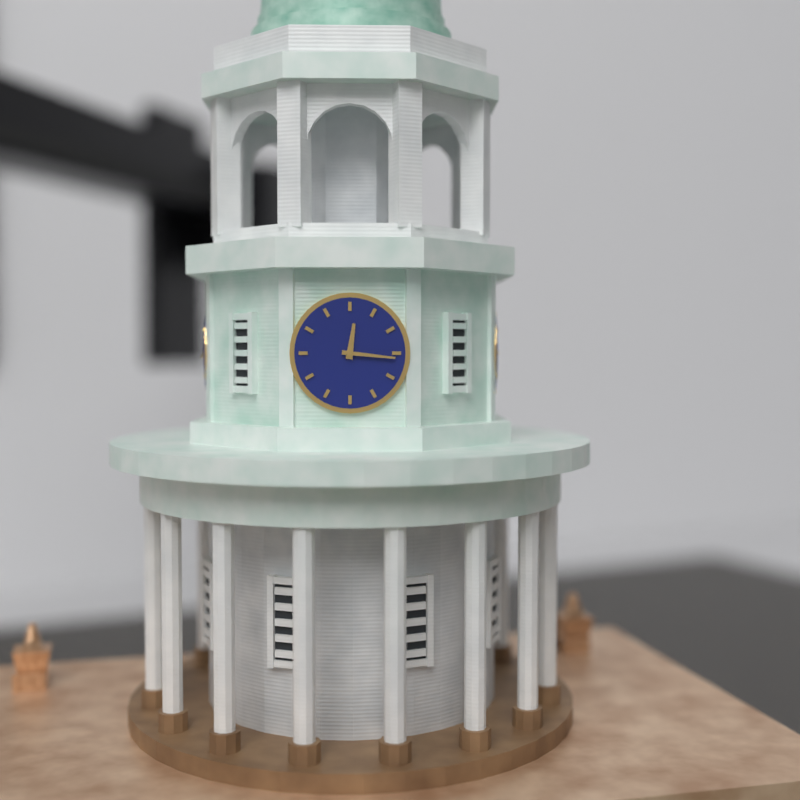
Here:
h=12 m=16
